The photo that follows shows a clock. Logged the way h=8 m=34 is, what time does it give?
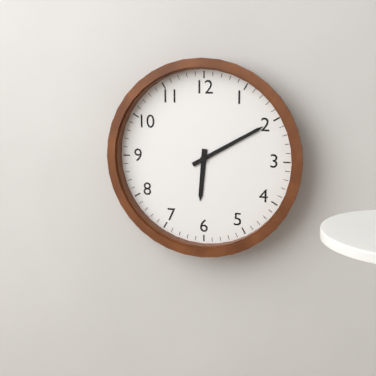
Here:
h=6 m=10
